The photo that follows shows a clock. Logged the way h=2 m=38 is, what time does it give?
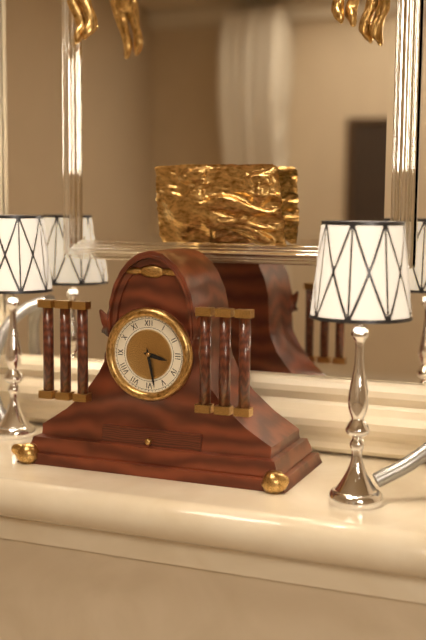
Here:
h=3 m=28
